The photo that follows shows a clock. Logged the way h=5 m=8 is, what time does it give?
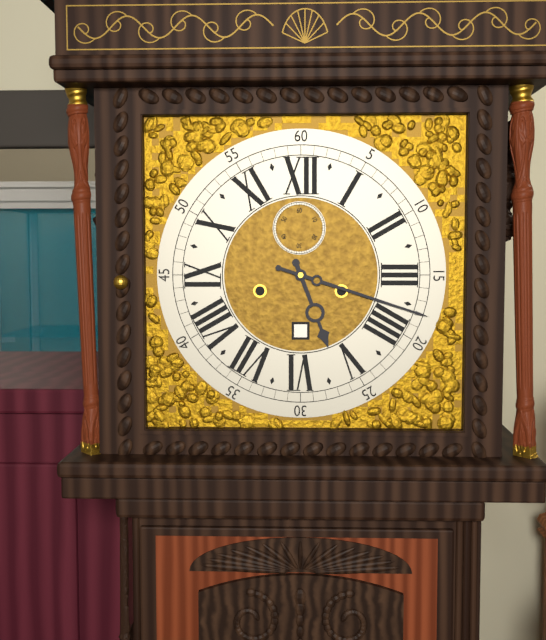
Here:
h=5 m=18
